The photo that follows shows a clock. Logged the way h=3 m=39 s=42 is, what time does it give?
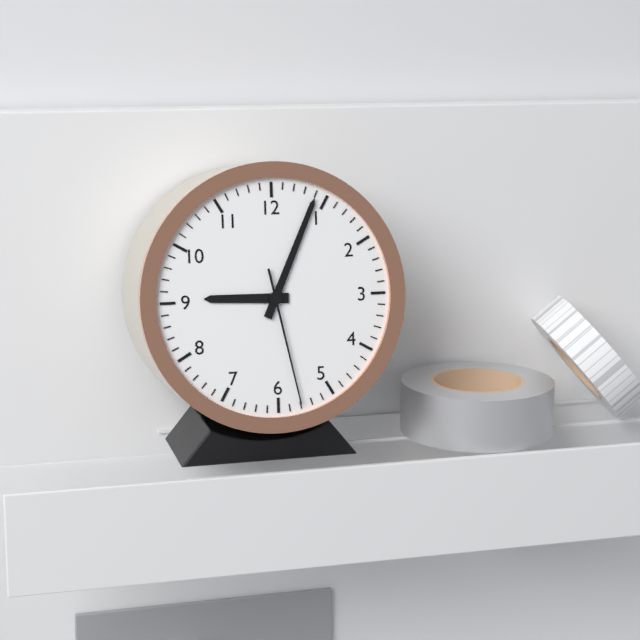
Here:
h=9 m=4 s=28
